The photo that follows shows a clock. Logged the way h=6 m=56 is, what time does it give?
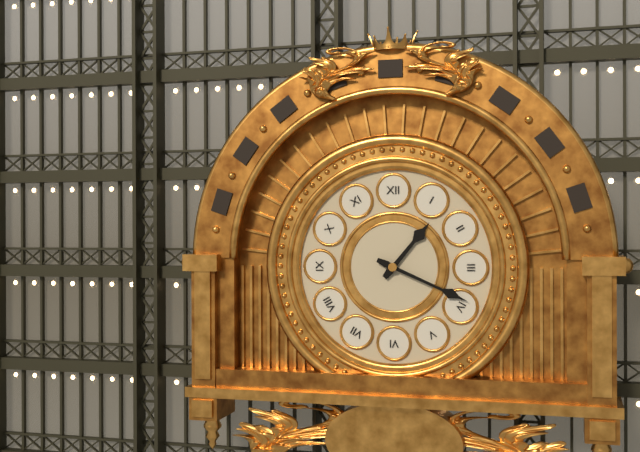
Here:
h=1 m=19
